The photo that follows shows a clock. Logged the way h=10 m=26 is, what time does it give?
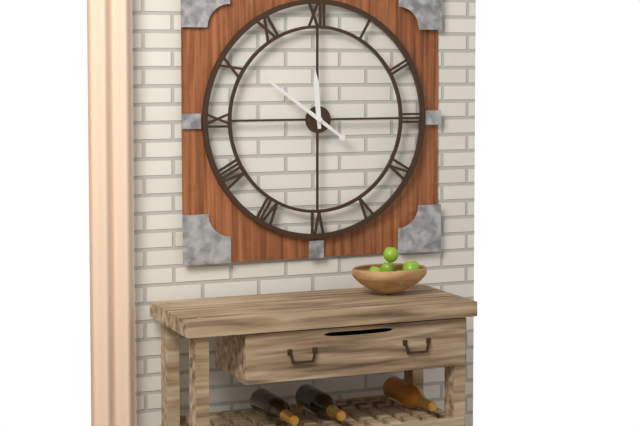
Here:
h=11 m=51
